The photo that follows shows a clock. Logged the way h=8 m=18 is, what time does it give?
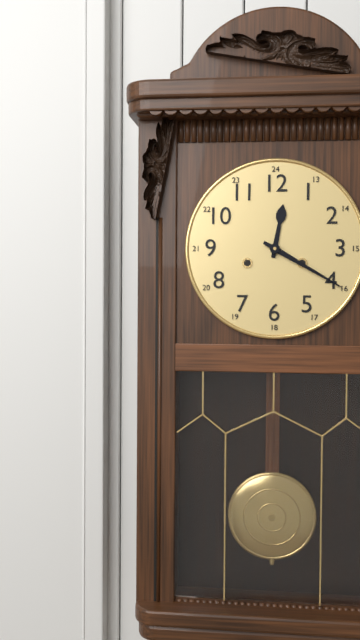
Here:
h=12 m=20
